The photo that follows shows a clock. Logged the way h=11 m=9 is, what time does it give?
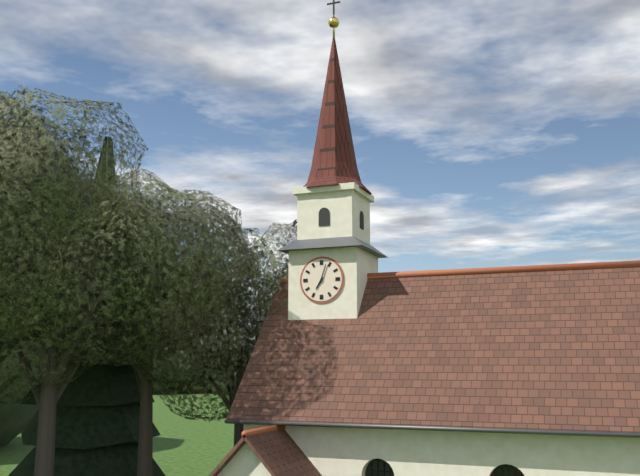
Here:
h=7 m=3
